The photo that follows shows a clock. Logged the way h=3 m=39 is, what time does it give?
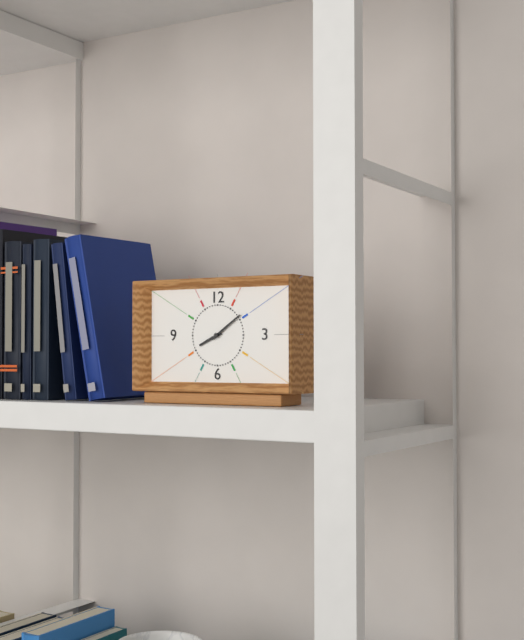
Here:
h=8 m=9
